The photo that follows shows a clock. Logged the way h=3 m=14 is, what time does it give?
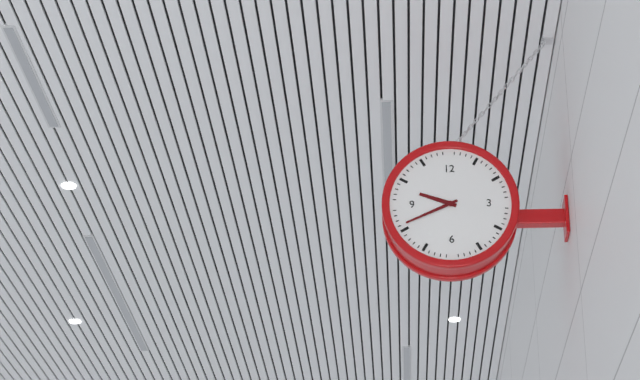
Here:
h=9 m=41
